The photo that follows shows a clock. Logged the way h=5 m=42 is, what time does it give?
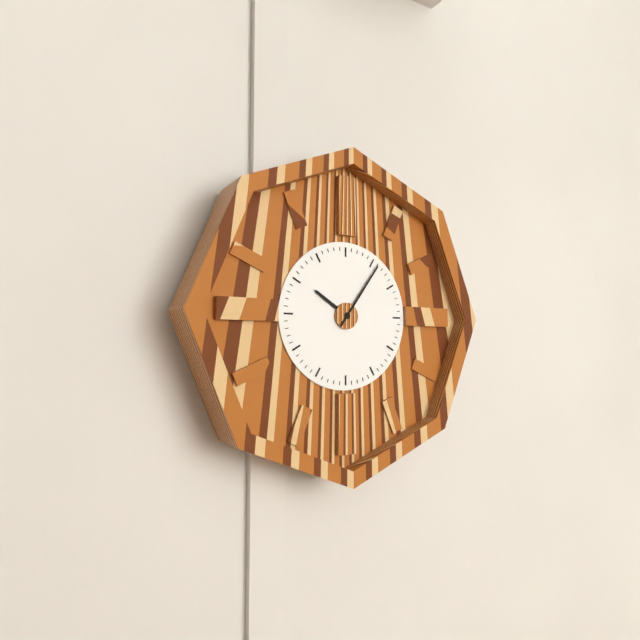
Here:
h=10 m=6
